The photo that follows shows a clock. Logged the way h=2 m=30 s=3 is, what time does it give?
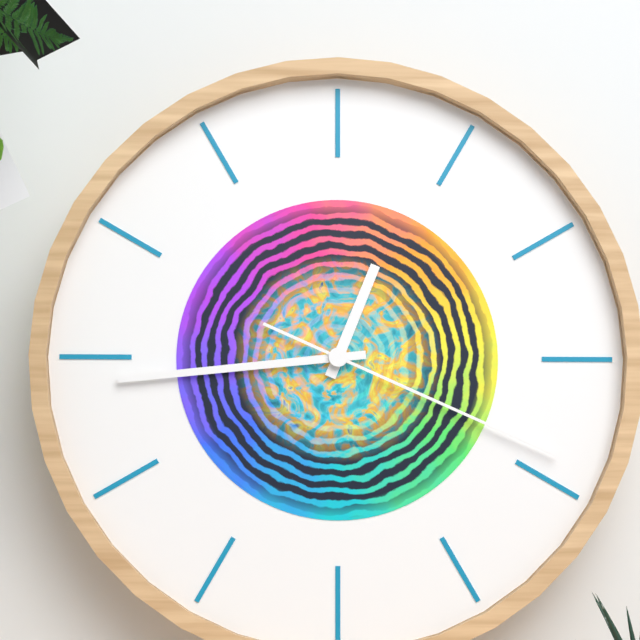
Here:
h=12 m=44 s=19
